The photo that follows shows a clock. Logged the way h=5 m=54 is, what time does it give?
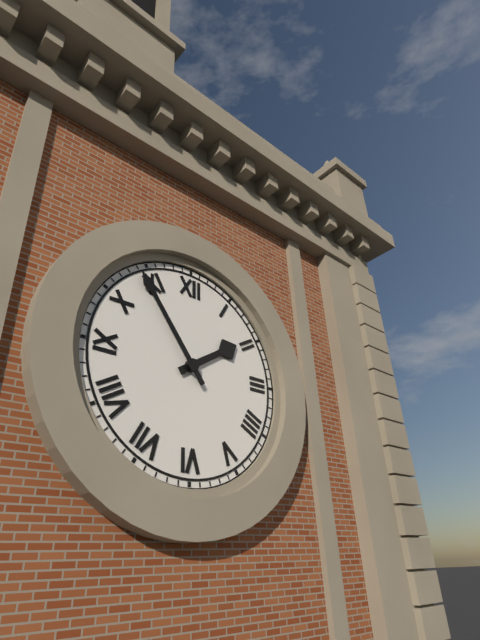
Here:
h=1 m=54
